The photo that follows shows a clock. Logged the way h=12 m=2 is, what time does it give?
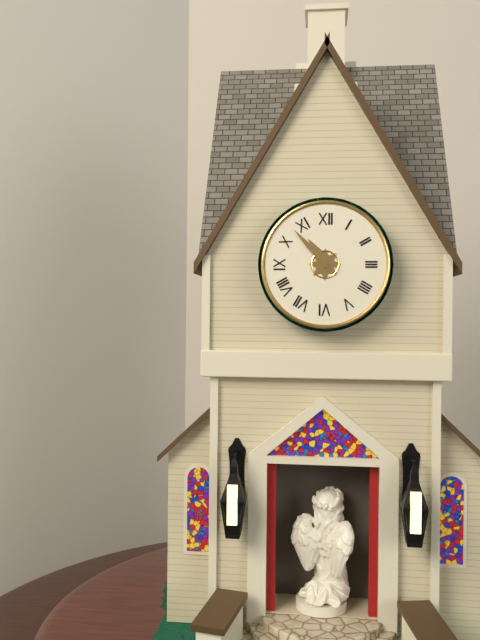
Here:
h=10 m=53
